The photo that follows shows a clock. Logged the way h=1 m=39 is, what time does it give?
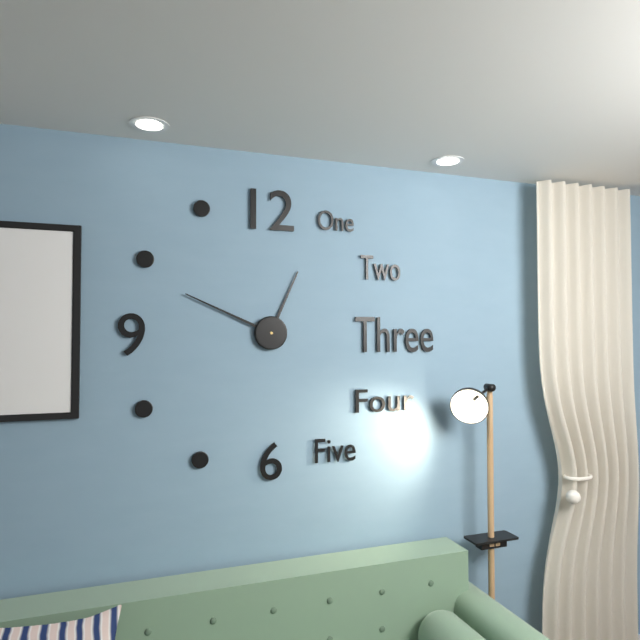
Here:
h=12 m=49
